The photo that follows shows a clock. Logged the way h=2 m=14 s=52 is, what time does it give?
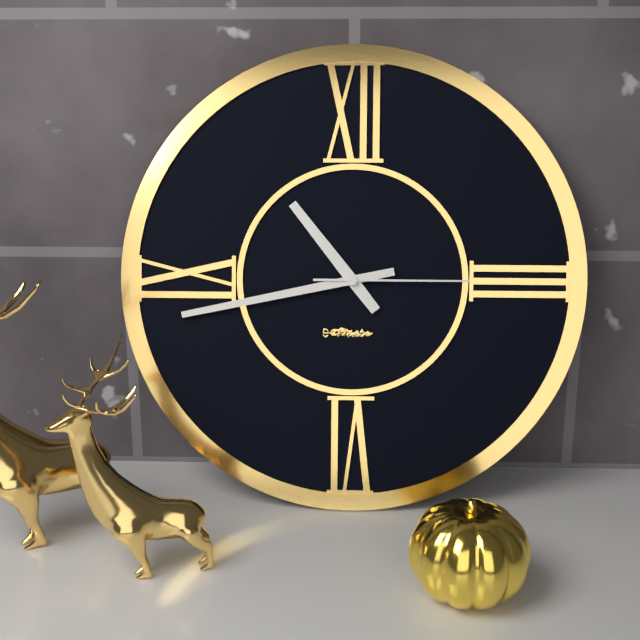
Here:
h=10 m=43 s=15
